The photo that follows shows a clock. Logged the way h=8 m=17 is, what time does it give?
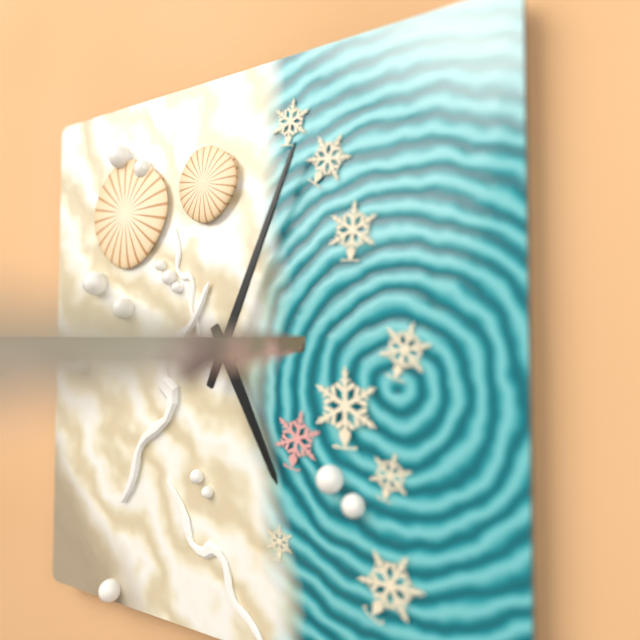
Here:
h=5 m=4
